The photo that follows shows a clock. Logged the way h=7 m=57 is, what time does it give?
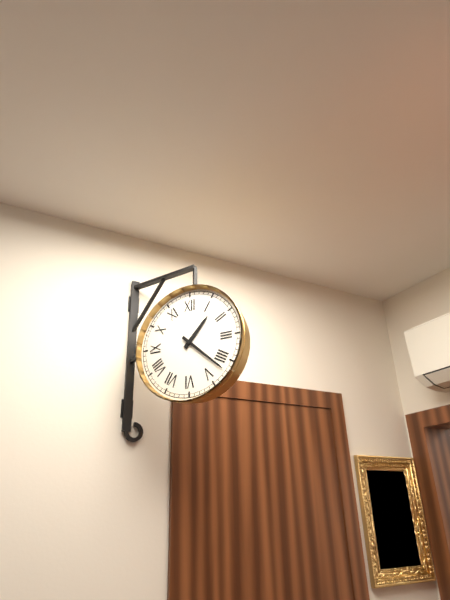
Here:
h=1 m=22
